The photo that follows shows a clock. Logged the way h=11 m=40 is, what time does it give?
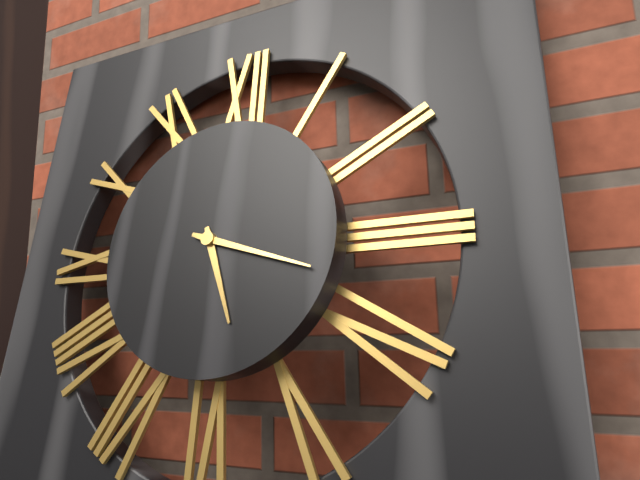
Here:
h=5 m=18
